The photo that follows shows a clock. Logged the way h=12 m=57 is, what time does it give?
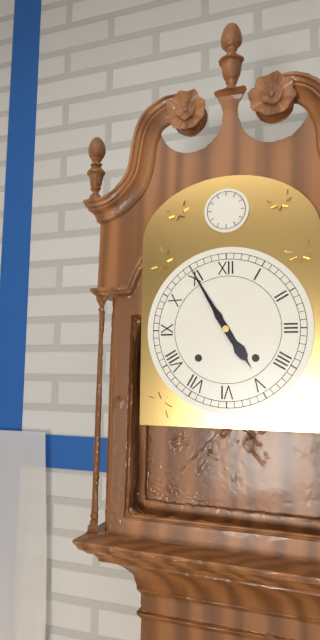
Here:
h=4 m=55
